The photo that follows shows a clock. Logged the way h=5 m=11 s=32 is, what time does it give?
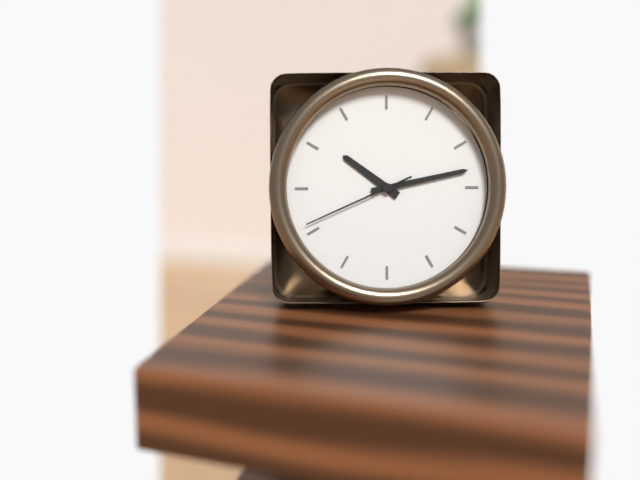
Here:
h=10 m=13 s=41
